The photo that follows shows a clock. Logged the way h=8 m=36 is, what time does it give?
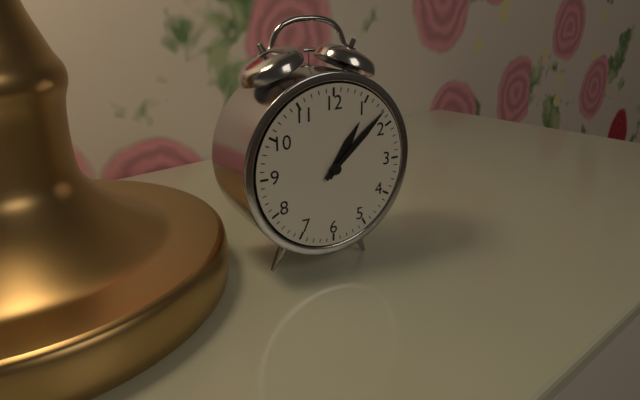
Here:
h=1 m=8
